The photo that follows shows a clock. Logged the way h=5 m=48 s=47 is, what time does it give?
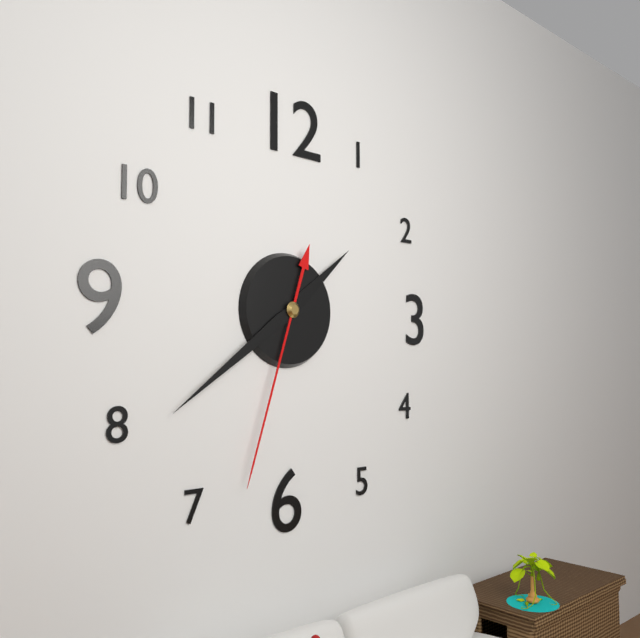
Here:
h=1 m=39 s=33
